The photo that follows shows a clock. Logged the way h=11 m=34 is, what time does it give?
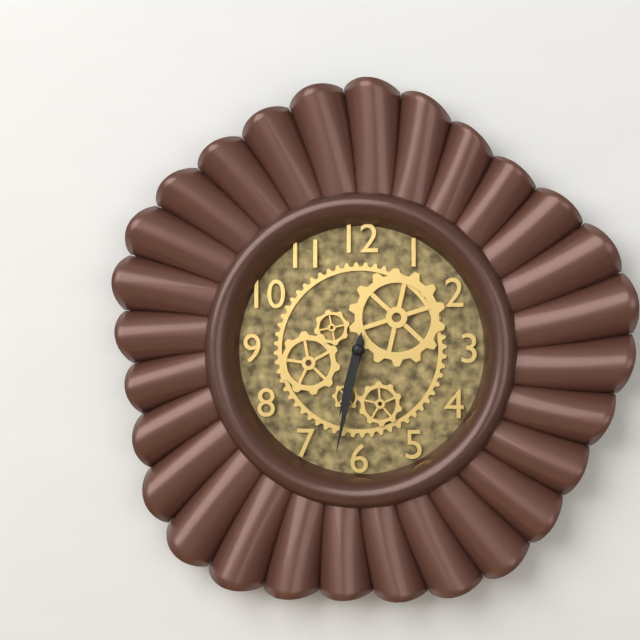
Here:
h=6 m=32
